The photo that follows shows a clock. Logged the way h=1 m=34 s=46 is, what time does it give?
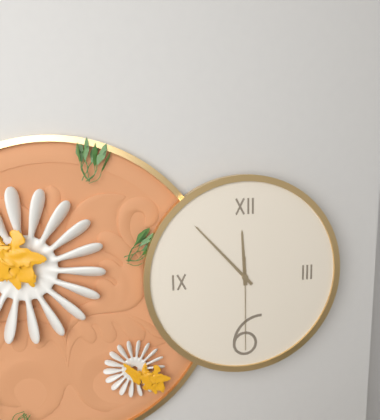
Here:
h=11 m=53 s=30
